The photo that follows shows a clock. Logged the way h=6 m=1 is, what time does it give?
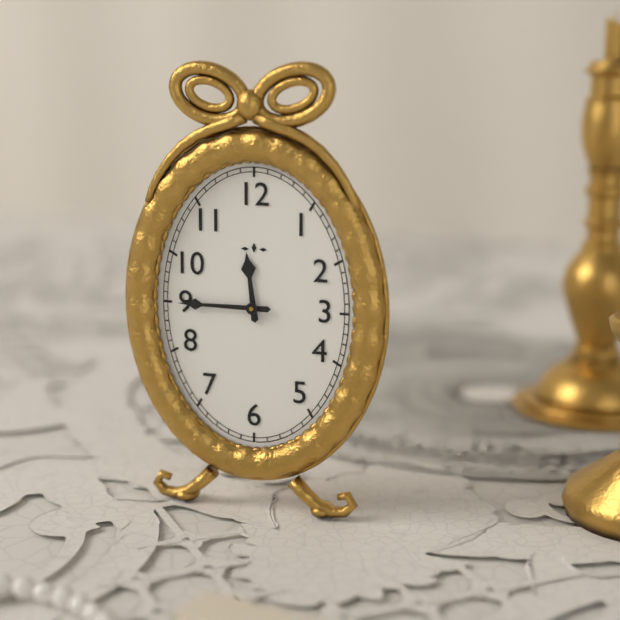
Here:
h=11 m=45
